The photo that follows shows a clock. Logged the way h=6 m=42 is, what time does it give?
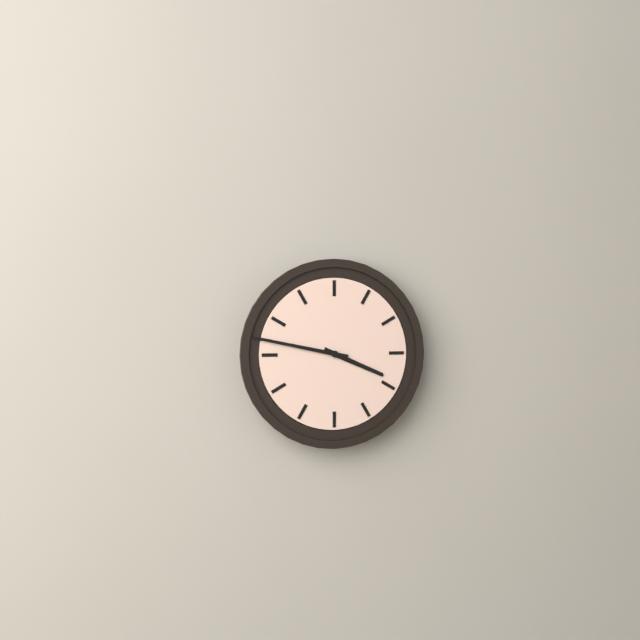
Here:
h=3 m=47
